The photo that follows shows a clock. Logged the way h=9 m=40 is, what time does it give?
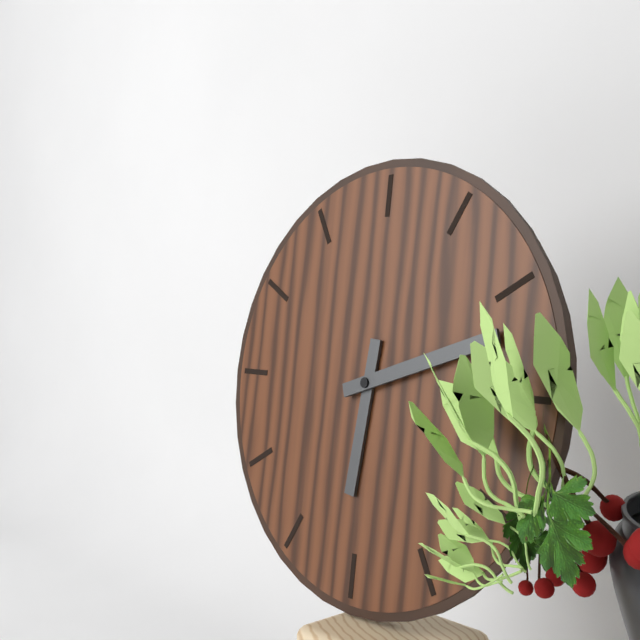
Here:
h=6 m=12
